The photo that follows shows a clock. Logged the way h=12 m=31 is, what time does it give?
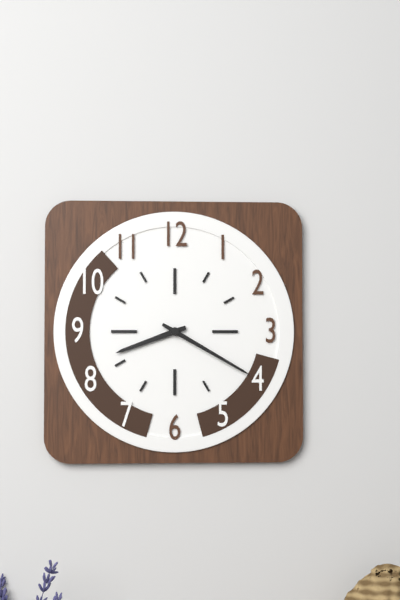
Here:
h=8 m=20
